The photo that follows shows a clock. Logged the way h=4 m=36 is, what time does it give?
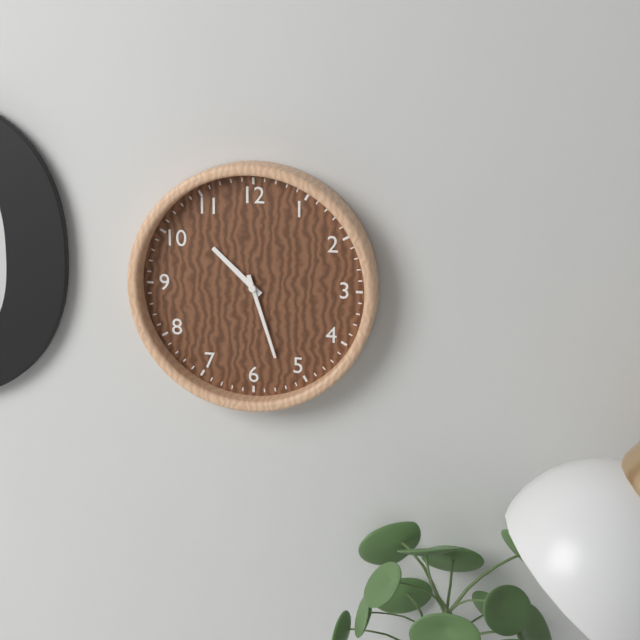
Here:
h=10 m=27
